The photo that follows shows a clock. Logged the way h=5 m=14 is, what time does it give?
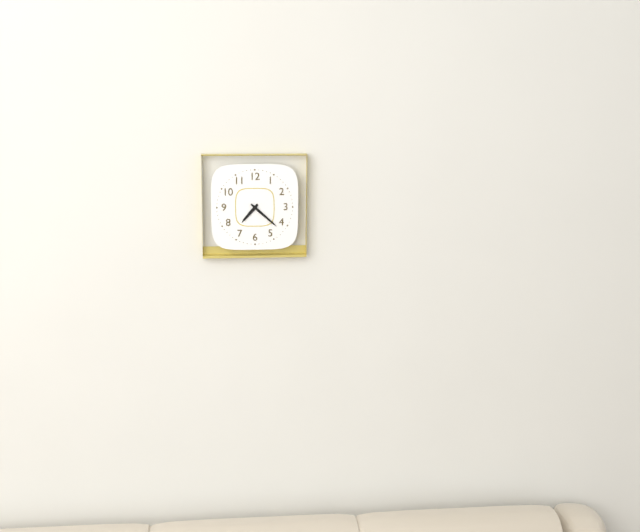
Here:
h=7 m=22
